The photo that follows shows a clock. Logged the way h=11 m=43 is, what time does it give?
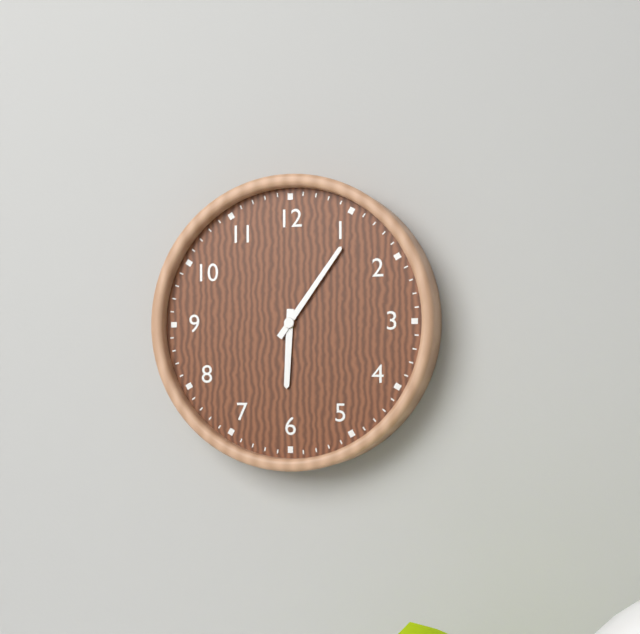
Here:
h=6 m=6
